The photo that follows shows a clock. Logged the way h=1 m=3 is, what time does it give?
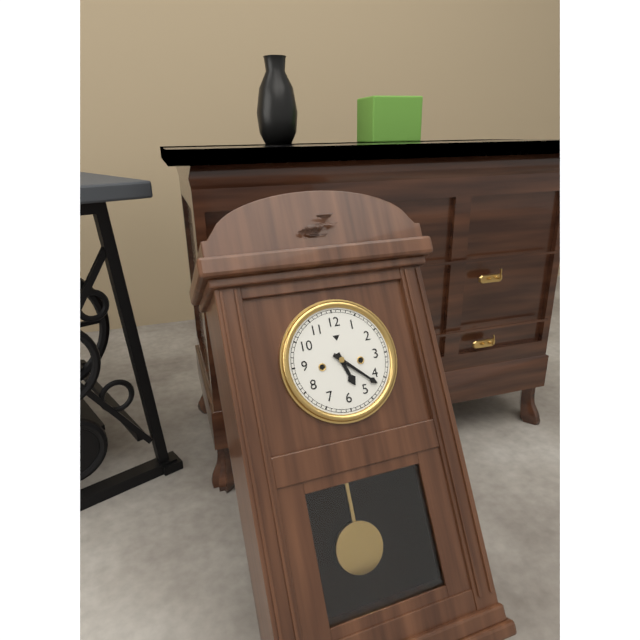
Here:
h=5 m=22
